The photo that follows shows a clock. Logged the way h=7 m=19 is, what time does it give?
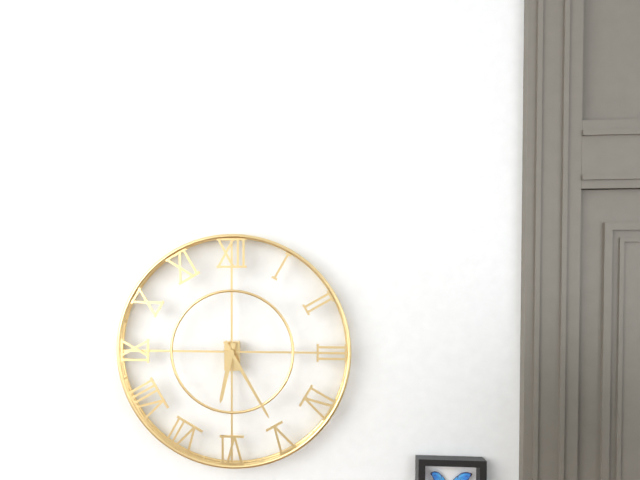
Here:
h=6 m=25
